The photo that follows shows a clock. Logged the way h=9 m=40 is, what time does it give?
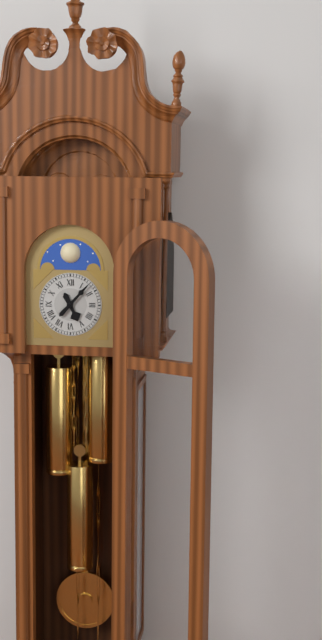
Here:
h=5 m=7
